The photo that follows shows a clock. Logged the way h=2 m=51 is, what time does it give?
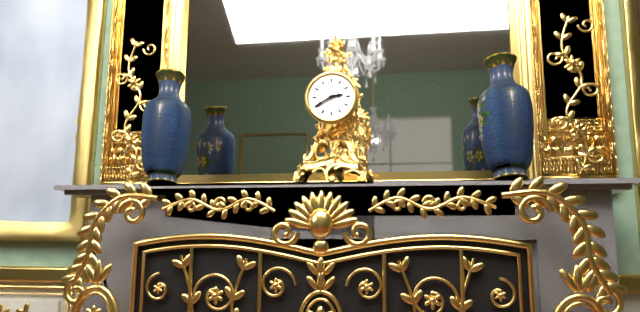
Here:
h=2 m=40
